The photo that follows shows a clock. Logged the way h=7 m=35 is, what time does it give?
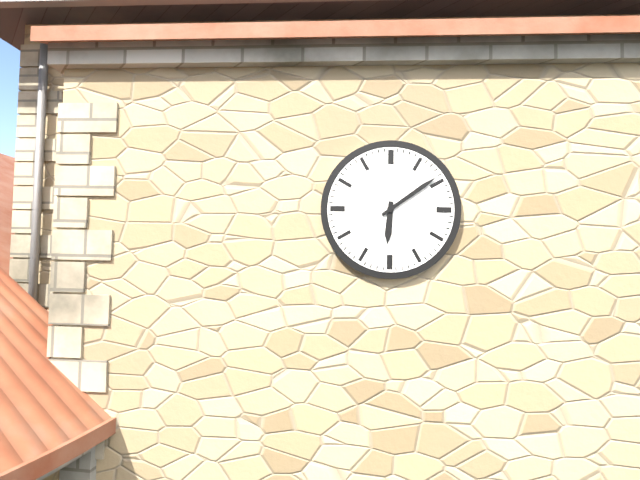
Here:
h=6 m=9
